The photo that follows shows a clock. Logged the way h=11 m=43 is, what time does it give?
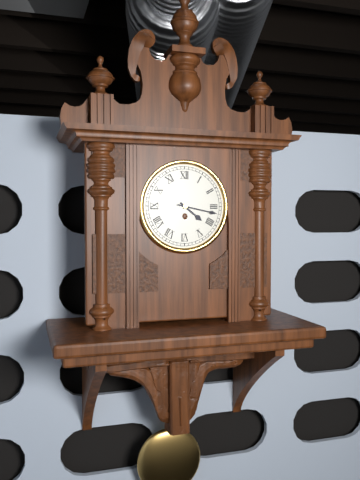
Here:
h=4 m=17
